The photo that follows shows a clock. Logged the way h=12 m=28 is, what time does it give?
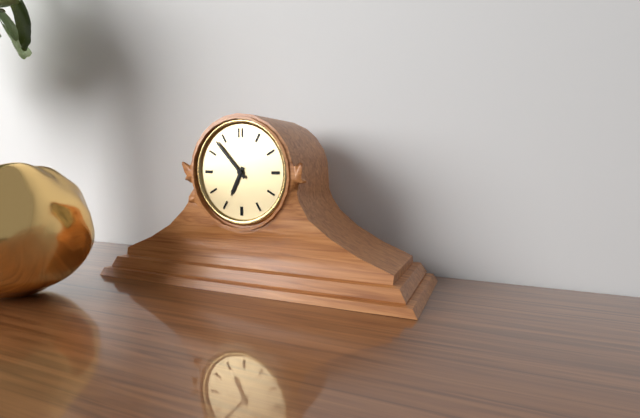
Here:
h=6 m=53
